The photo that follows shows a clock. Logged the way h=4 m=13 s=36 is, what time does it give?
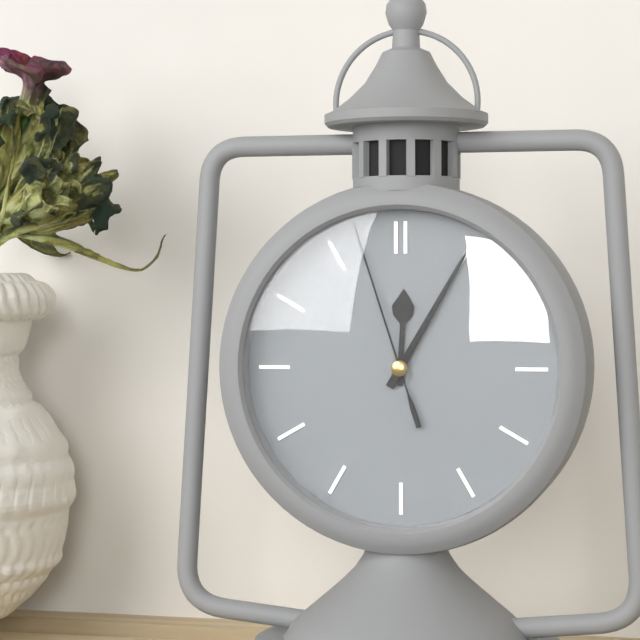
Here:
h=12 m=5 s=57
